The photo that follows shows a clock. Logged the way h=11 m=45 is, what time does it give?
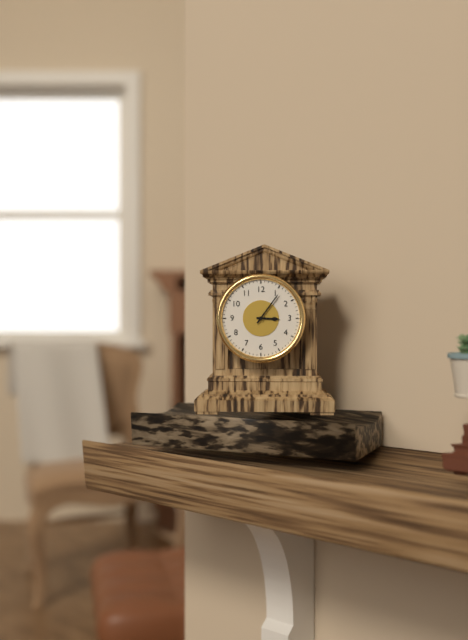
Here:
h=3 m=6
